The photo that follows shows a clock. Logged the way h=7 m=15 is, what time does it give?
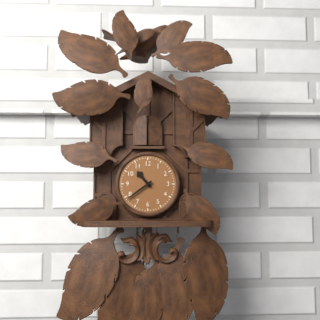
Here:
h=10 m=39
